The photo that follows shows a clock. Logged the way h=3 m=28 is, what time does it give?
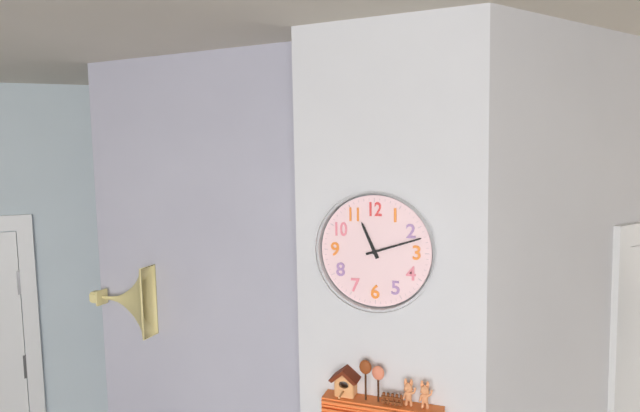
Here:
h=11 m=12
